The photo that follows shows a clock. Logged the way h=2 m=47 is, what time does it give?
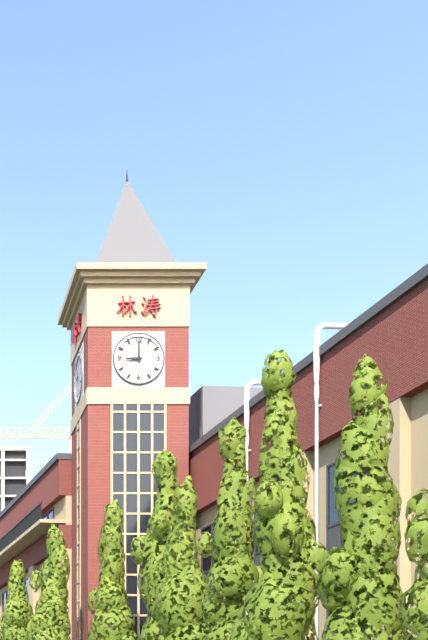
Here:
h=9 m=0
